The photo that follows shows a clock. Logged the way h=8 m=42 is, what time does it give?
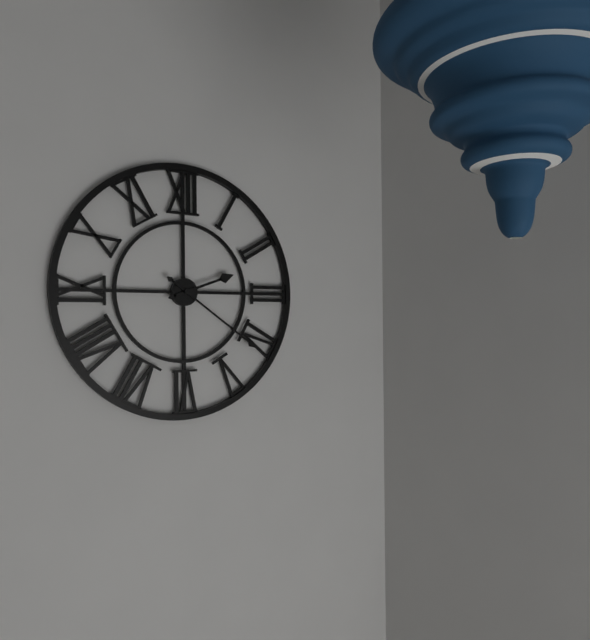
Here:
h=2 m=21
